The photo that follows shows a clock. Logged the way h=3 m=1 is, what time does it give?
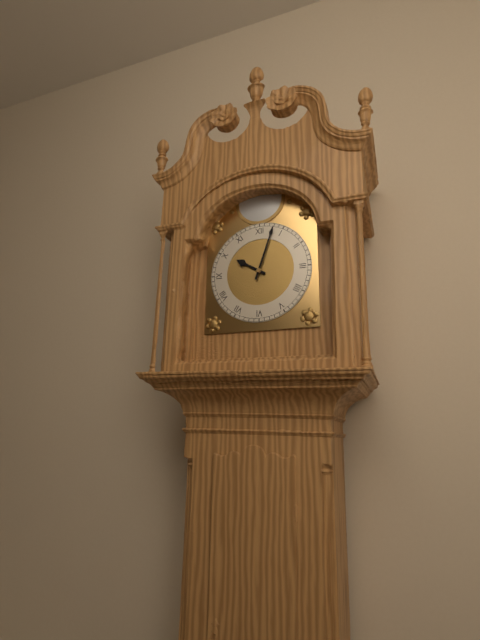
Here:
h=10 m=3
